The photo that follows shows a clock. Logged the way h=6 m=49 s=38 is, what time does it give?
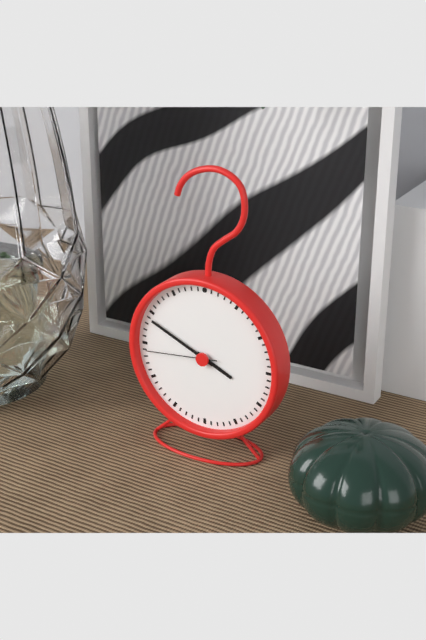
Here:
h=3 m=49 s=44
